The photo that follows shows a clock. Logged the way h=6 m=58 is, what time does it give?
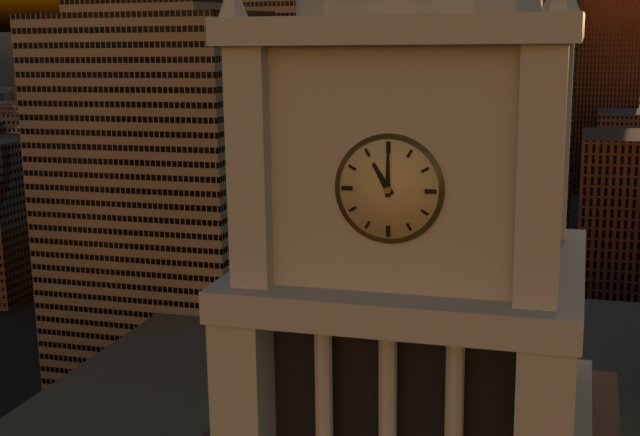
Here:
h=11 m=0
